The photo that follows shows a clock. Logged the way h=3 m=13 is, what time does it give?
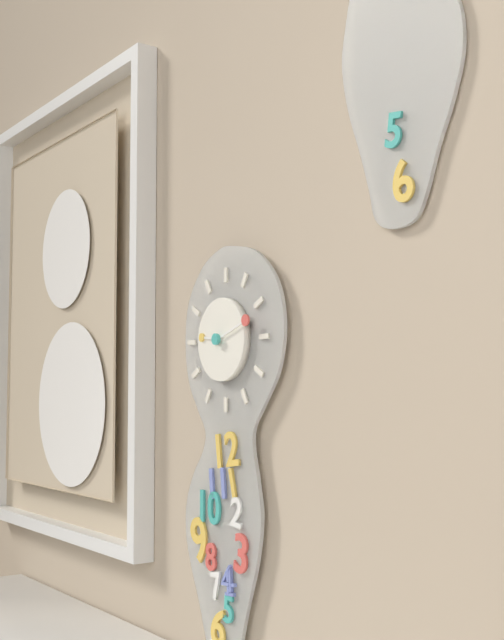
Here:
h=9 m=12
